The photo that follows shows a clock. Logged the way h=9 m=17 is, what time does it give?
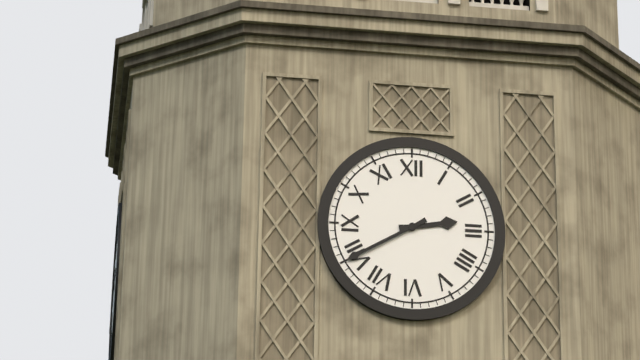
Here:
h=2 m=40
